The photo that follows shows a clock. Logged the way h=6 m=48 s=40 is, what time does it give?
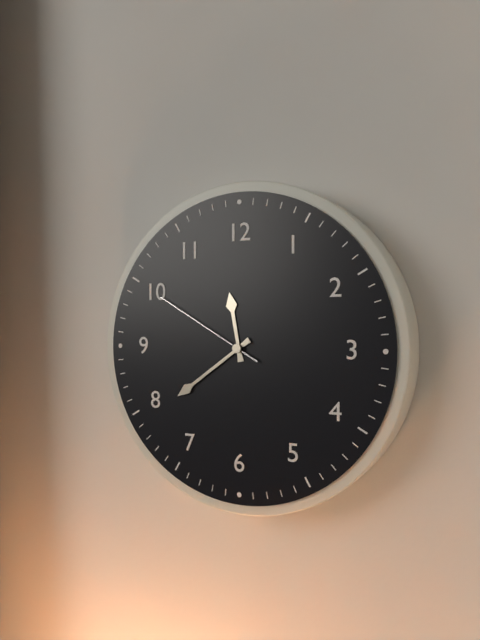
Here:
h=11 m=39 s=50
